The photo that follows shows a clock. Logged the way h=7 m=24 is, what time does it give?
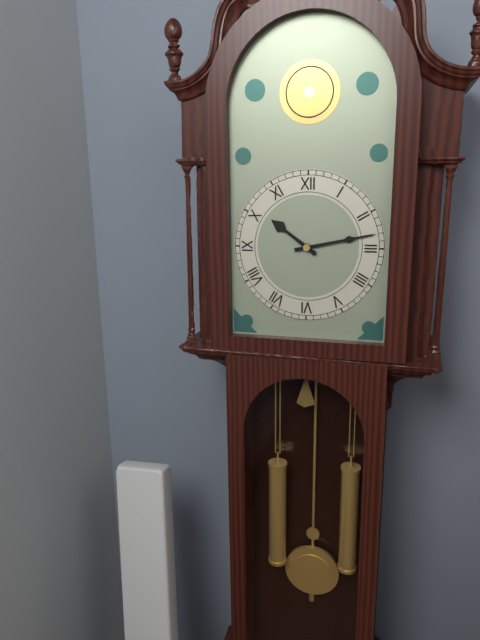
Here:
h=10 m=13
